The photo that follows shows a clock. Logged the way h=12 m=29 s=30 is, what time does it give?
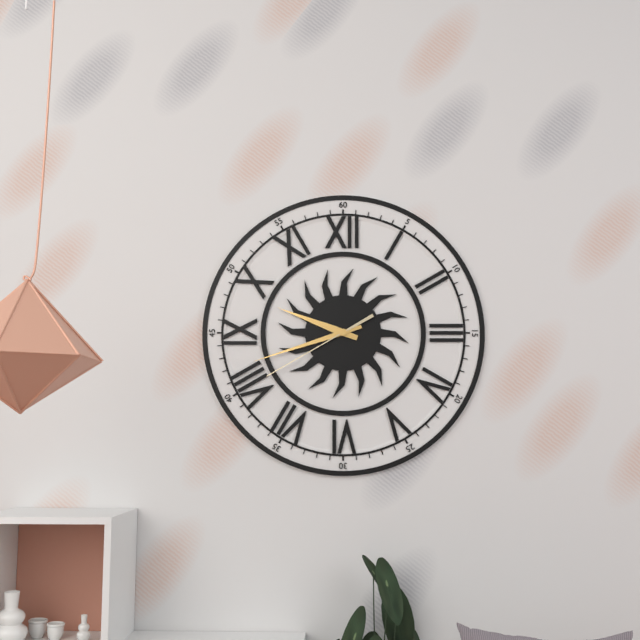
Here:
h=9 m=42 s=40
